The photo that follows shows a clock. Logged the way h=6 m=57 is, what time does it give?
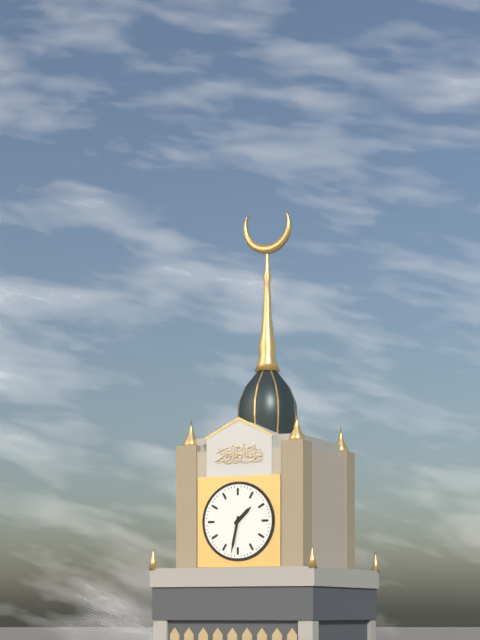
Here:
h=1 m=32
